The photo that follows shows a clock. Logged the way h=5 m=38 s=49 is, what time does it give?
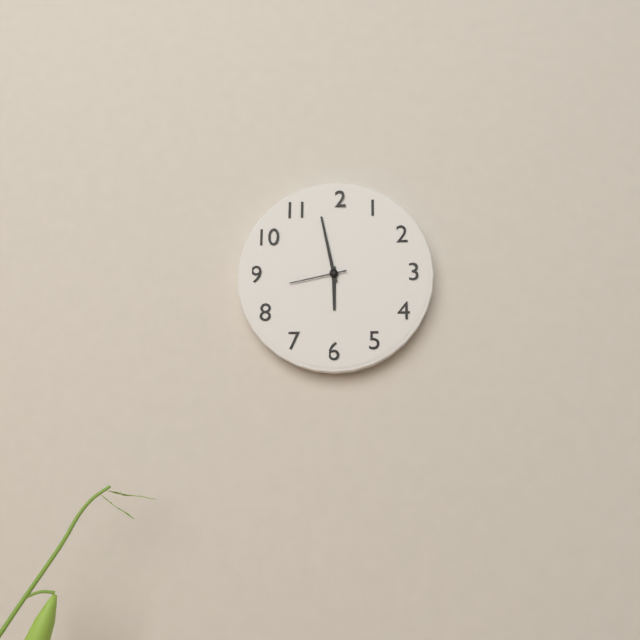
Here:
h=5 m=58 s=43
